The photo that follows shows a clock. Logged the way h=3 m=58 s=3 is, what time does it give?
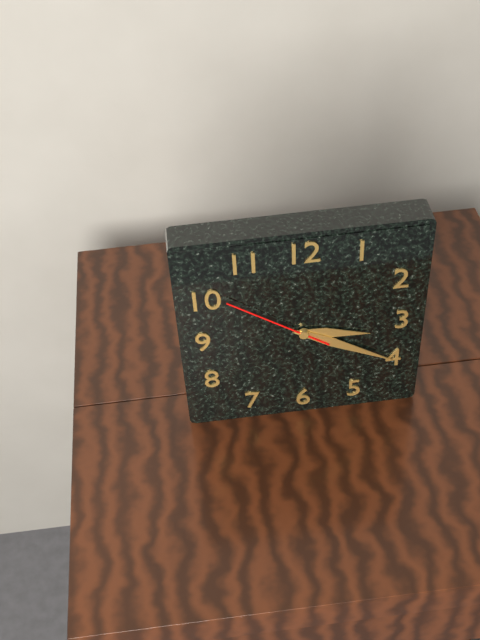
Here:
h=3 m=20 s=51
